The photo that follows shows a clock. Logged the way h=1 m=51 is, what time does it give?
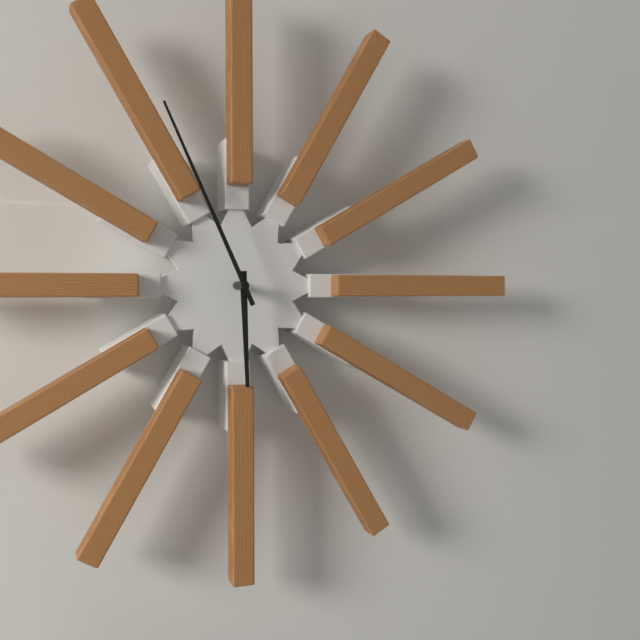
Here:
h=5 m=56
